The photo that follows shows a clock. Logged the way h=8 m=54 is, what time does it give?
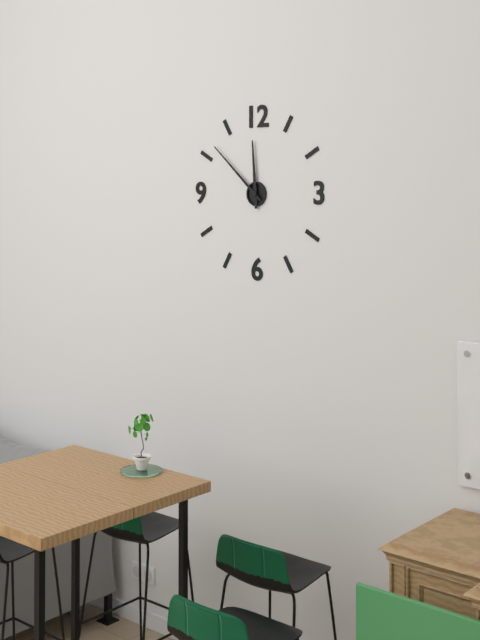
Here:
h=11 m=52
